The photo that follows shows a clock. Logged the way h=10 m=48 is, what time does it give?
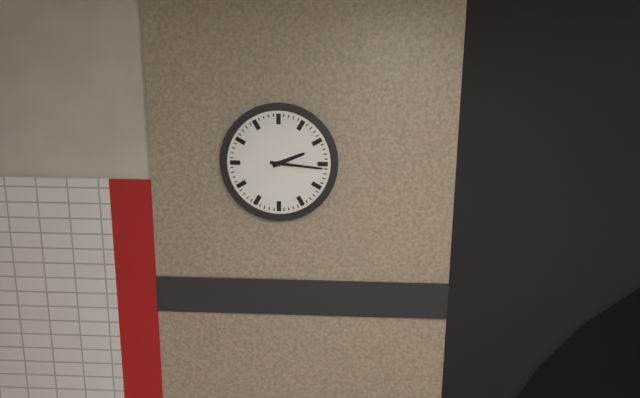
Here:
h=2 m=16
